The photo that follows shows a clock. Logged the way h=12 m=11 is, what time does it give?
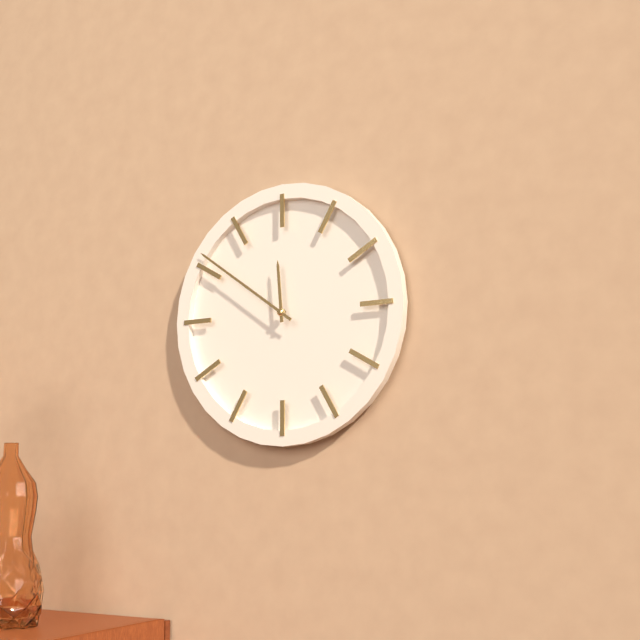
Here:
h=11 m=51
